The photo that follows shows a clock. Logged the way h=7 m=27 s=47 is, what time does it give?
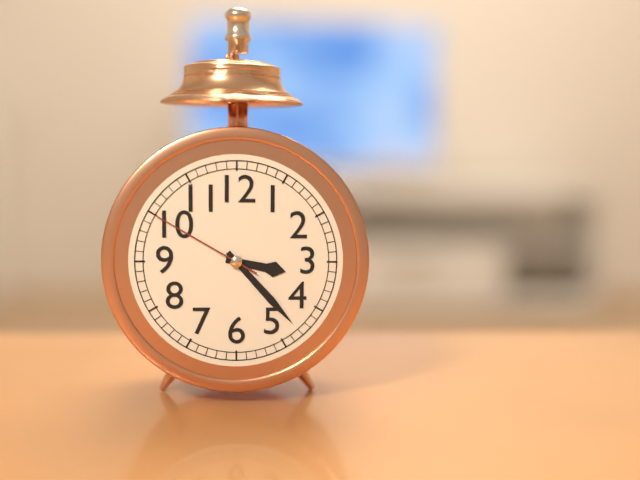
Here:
h=3 m=23 s=50
